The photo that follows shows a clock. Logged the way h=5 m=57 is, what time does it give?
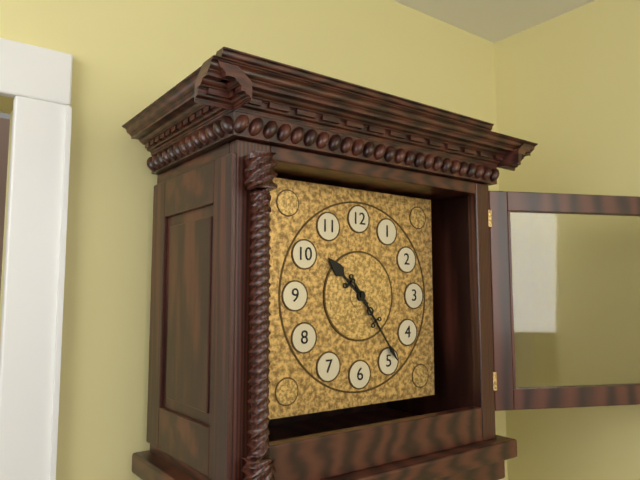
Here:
h=10 m=24
